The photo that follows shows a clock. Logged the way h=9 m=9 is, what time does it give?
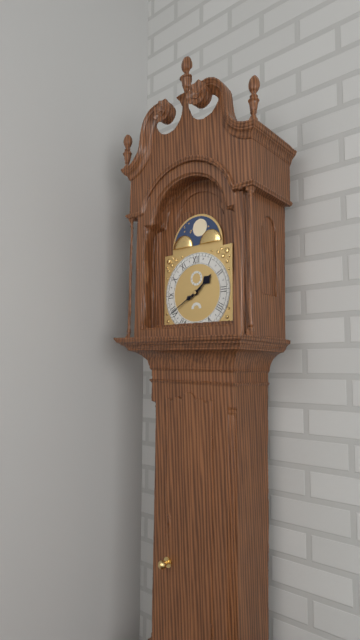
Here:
h=1 m=40
